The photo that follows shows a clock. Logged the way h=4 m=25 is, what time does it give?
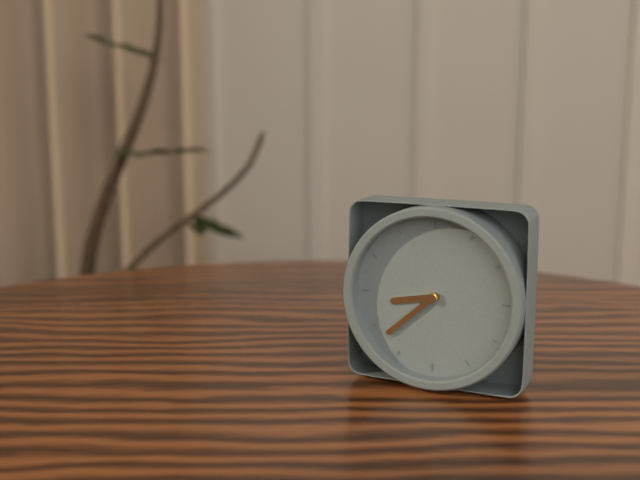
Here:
h=8 m=38
